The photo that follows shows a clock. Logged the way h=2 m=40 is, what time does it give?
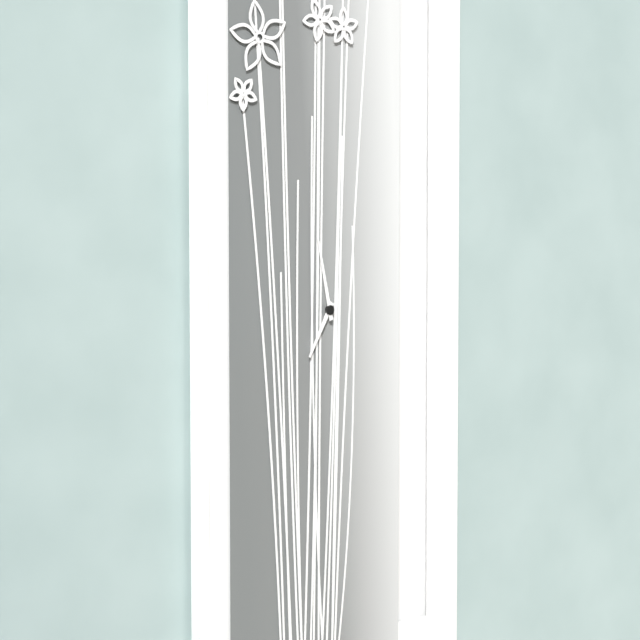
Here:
h=6 m=58
